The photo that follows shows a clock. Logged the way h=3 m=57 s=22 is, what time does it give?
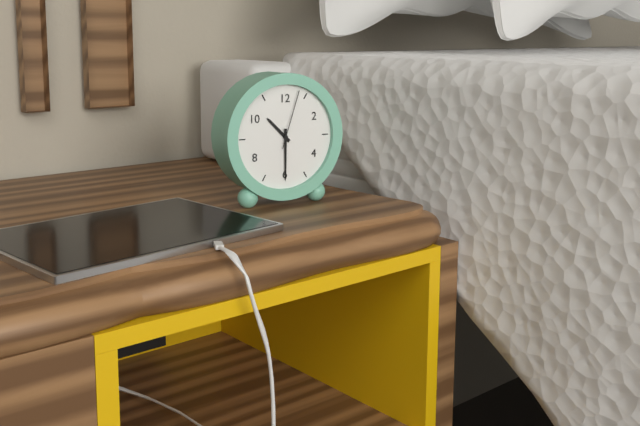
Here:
h=10 m=30 s=3
